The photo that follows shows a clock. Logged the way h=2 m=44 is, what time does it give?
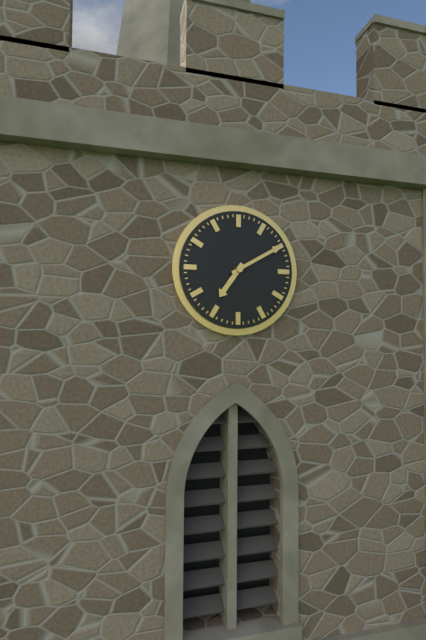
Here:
h=7 m=10
